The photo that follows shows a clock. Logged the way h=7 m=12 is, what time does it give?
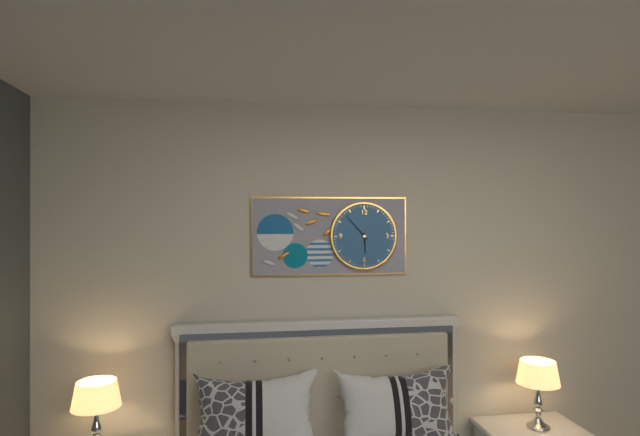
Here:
h=5 m=53
